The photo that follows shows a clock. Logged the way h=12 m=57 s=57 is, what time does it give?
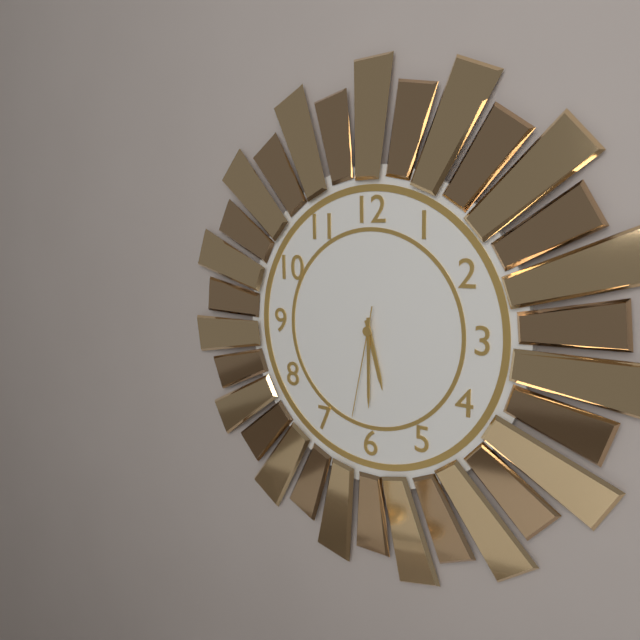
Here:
h=5 m=30 s=32
